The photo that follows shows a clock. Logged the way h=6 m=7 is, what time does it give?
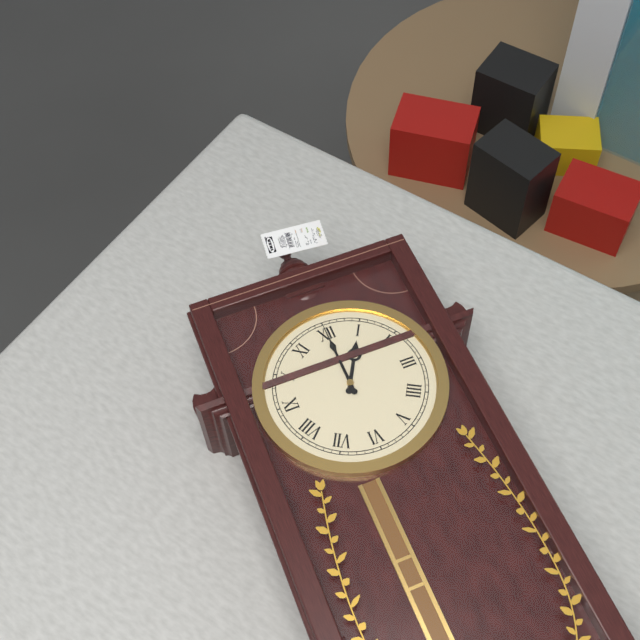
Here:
h=1 m=0
